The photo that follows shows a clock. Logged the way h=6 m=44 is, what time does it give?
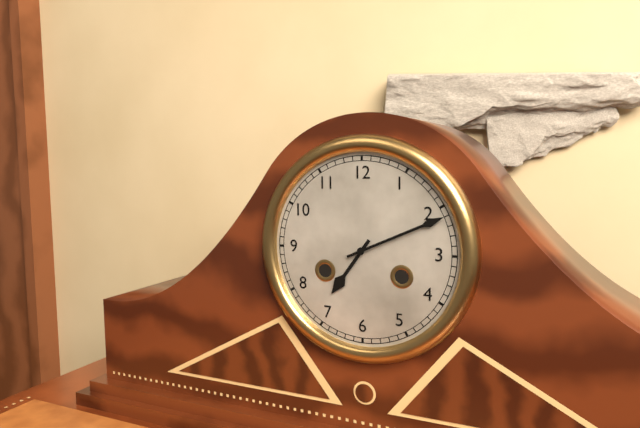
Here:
h=7 m=11
